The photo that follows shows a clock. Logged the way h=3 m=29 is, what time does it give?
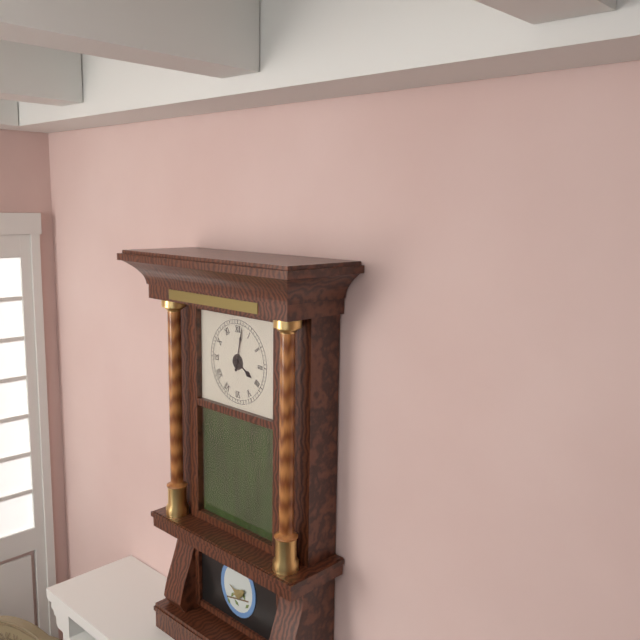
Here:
h=4 m=2
